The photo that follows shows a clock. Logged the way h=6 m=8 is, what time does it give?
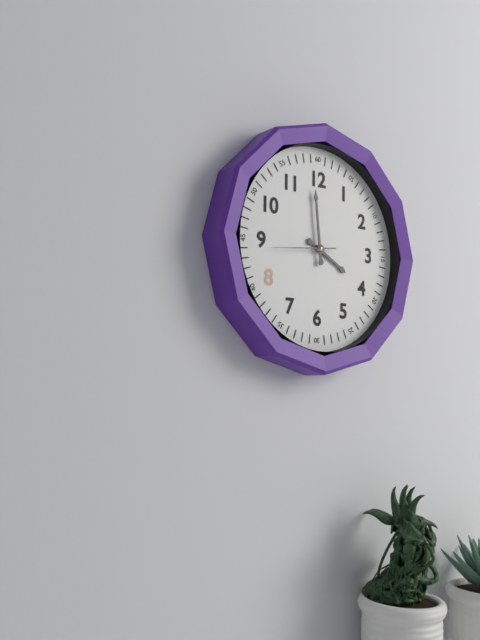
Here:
h=3 m=59
